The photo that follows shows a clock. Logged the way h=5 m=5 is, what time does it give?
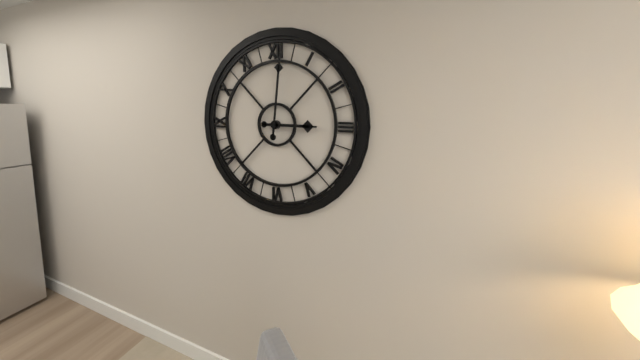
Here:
h=3 m=1
